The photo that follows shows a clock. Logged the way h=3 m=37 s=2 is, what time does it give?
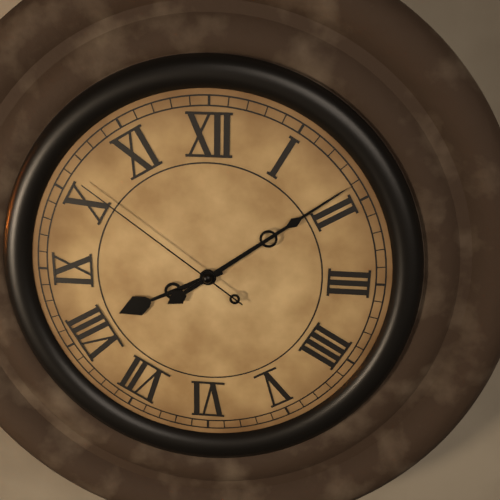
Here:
h=8 m=9 s=51
